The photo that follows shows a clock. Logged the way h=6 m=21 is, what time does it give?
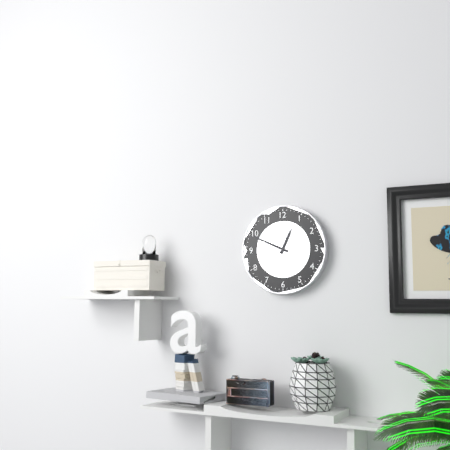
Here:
h=12 m=49
